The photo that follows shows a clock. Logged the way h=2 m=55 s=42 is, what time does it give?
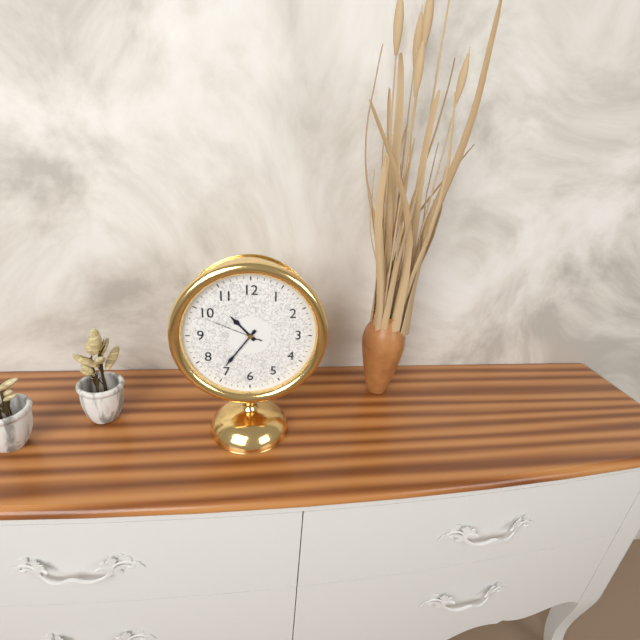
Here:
h=10 m=36 s=49
